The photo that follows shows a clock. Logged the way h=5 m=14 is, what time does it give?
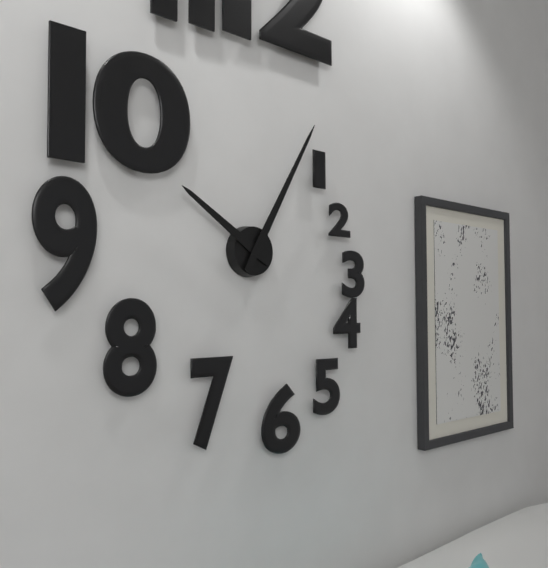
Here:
h=10 m=5
